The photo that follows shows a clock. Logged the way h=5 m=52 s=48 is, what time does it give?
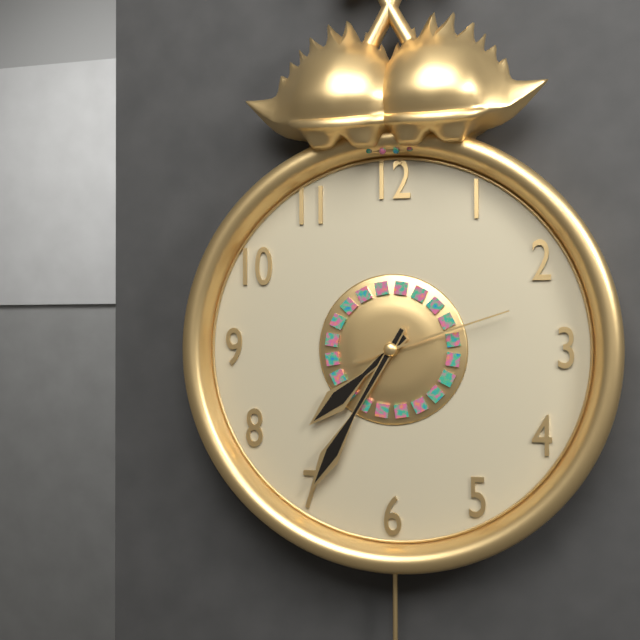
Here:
h=7 m=35 s=12
